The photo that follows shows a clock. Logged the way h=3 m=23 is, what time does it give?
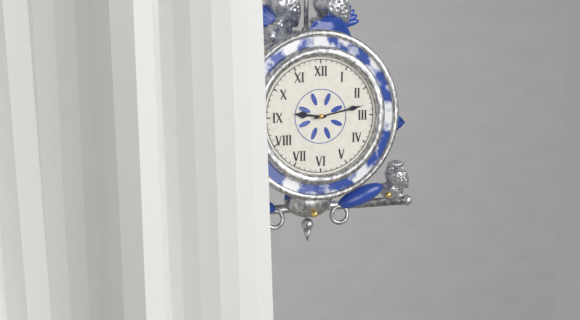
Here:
h=9 m=13
